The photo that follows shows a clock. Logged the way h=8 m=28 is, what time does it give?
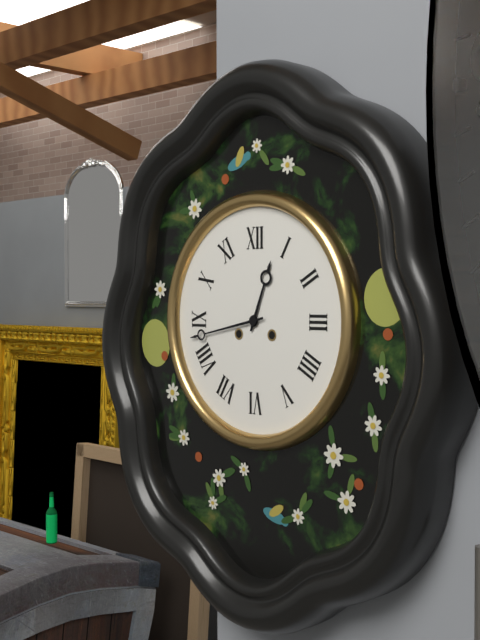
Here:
h=12 m=43
